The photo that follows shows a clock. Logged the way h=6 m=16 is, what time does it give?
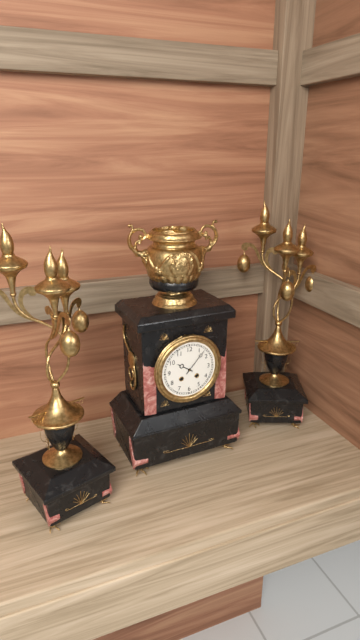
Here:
h=10 m=7
